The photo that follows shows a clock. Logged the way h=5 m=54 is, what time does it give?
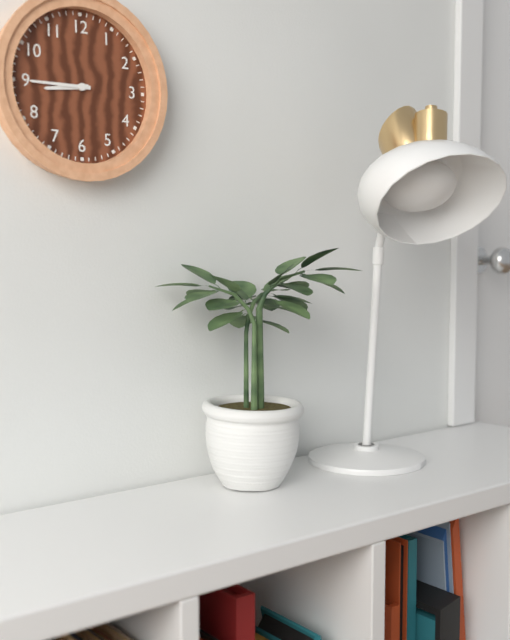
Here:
h=8 m=45
